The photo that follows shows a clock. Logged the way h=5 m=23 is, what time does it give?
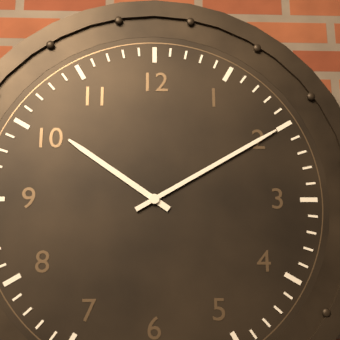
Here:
h=10 m=10
